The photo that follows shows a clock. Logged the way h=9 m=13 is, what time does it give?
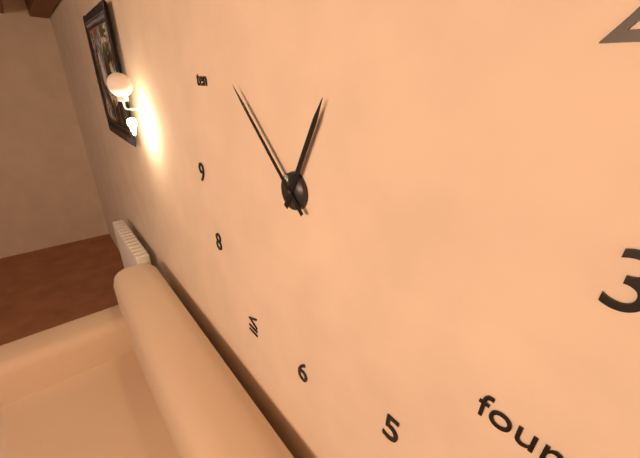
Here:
h=12 m=52
